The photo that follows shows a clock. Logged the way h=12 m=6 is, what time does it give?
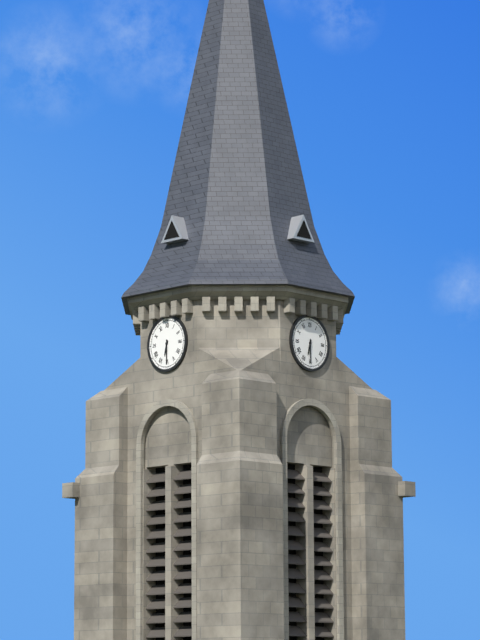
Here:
h=6 m=30
